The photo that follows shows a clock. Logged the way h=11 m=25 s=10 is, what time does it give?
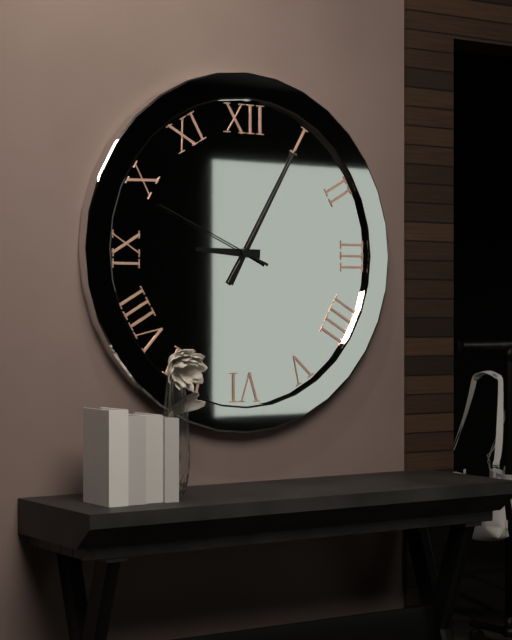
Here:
h=9 m=5 s=49
